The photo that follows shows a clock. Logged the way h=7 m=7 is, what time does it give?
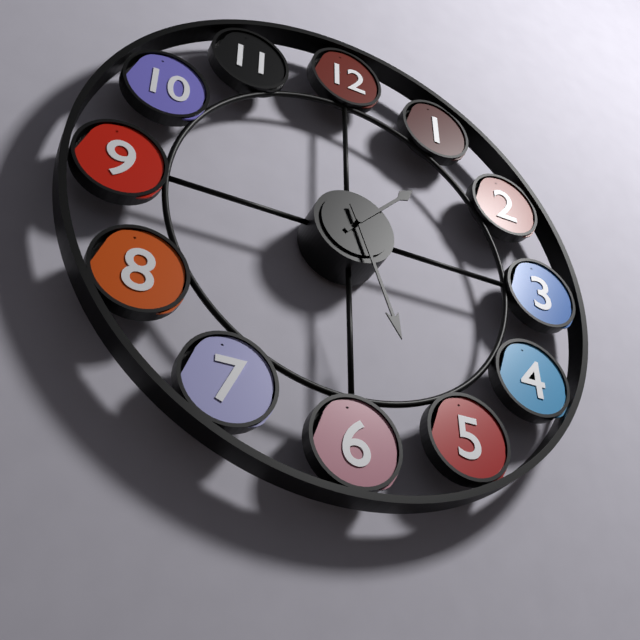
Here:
h=1 m=27
